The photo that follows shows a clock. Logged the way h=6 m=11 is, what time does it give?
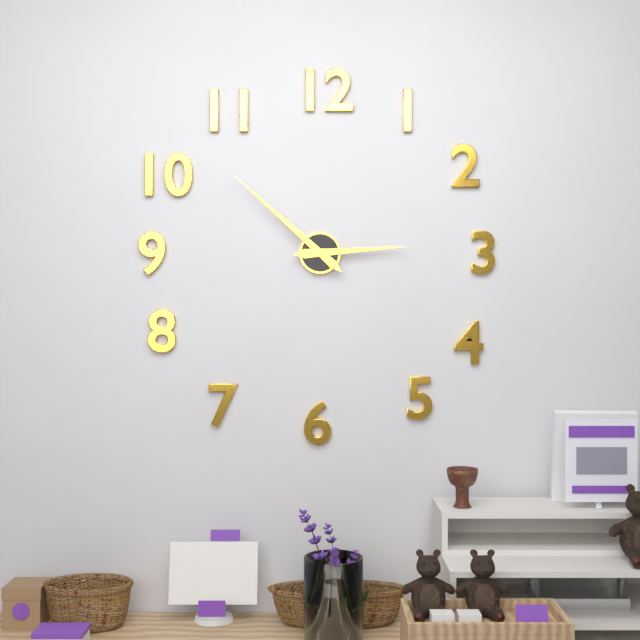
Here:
h=2 m=52
